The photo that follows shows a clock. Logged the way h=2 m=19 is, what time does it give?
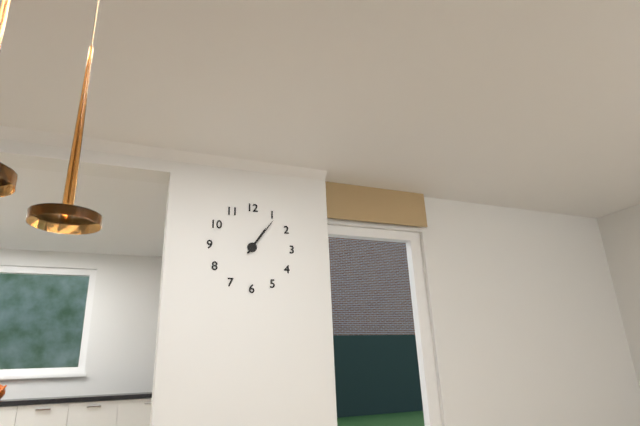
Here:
h=1 m=6
